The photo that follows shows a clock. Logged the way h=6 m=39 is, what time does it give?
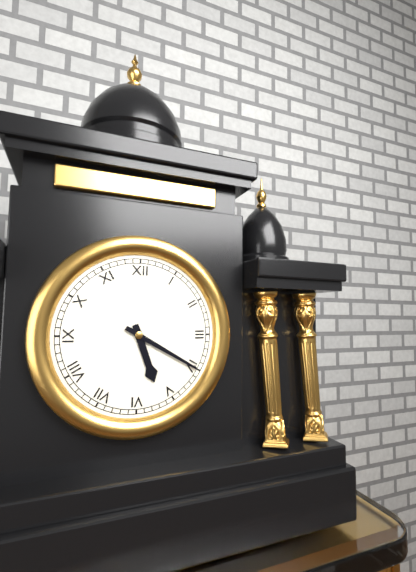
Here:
h=5 m=20
